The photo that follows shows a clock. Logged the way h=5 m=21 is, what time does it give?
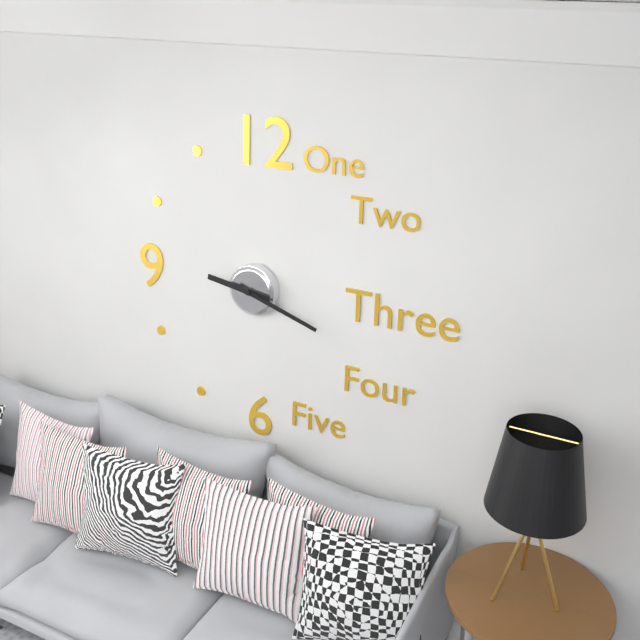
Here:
h=9 m=18
